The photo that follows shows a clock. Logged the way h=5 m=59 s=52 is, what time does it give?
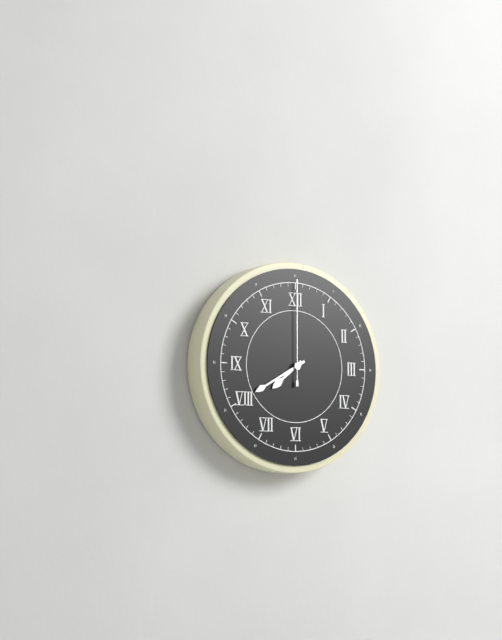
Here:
h=7 m=40 s=0
